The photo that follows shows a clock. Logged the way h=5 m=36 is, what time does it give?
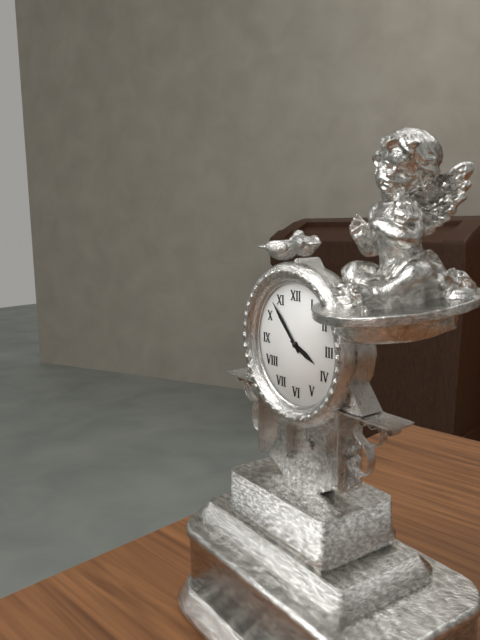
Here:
h=3 m=53
